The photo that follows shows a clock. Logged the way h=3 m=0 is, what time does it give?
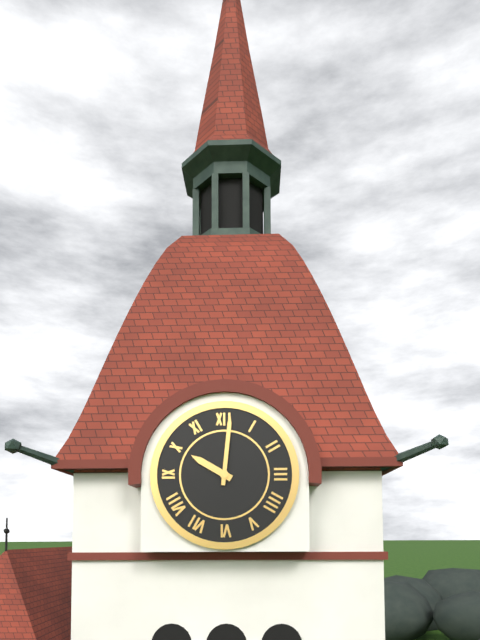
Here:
h=10 m=1
